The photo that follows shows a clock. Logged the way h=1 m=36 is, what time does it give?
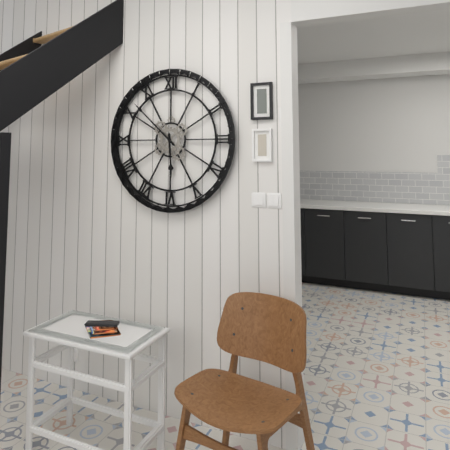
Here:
h=5 m=52
